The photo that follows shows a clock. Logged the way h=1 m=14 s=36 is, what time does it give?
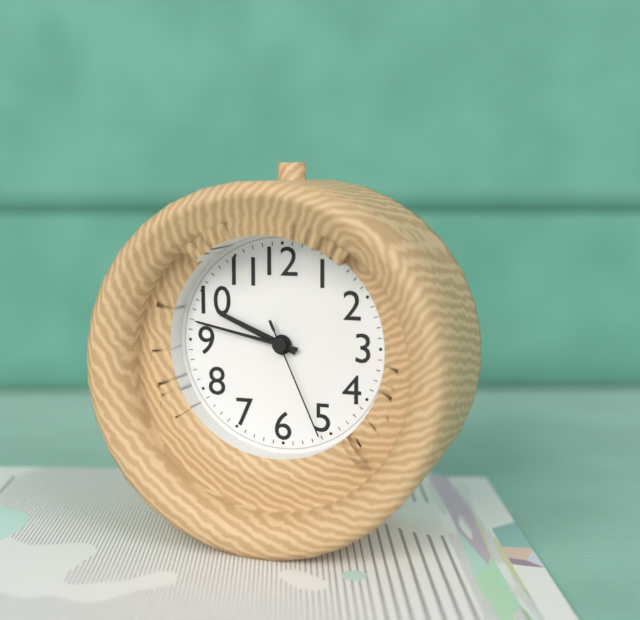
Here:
h=9 m=47 s=26
